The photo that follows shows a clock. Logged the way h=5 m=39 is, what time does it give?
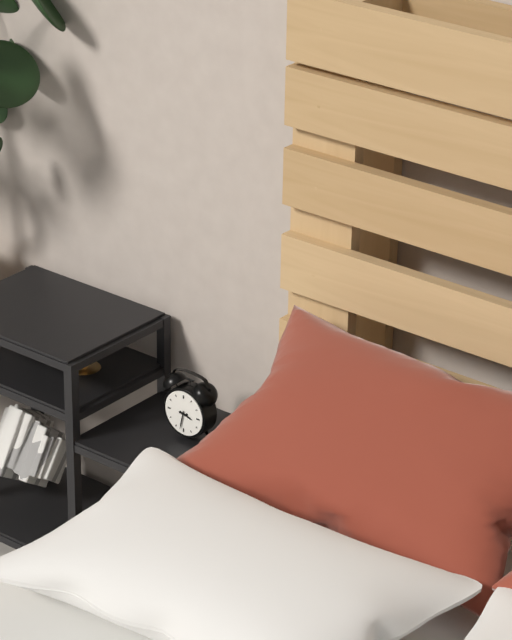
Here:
h=3 m=32
